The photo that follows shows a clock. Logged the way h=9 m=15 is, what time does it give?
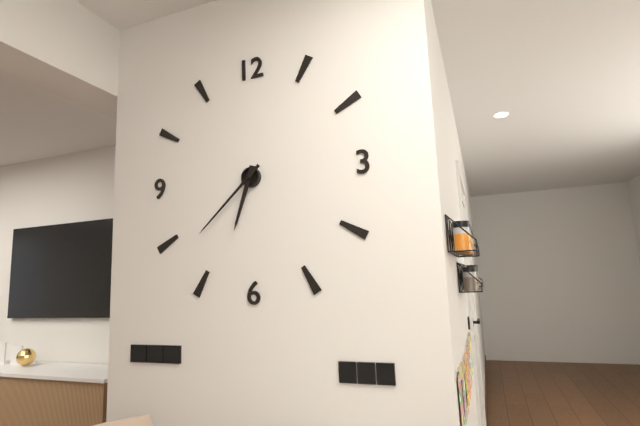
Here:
h=6 m=38
